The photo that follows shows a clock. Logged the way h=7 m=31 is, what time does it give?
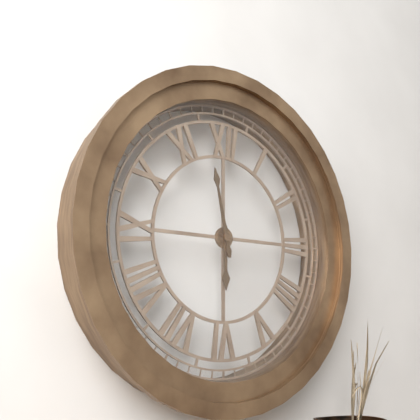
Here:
h=5 m=58
